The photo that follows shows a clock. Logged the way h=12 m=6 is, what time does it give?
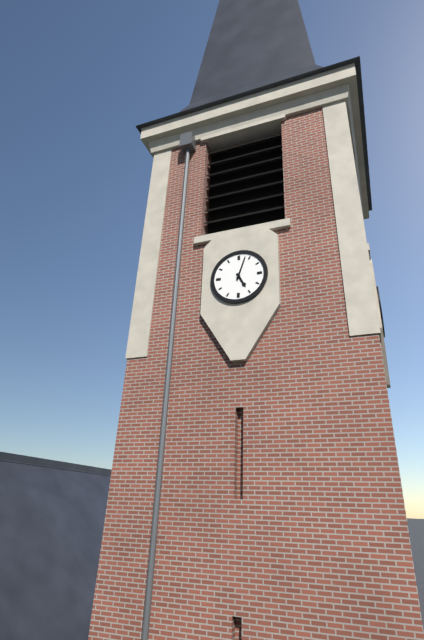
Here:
h=5 m=3
